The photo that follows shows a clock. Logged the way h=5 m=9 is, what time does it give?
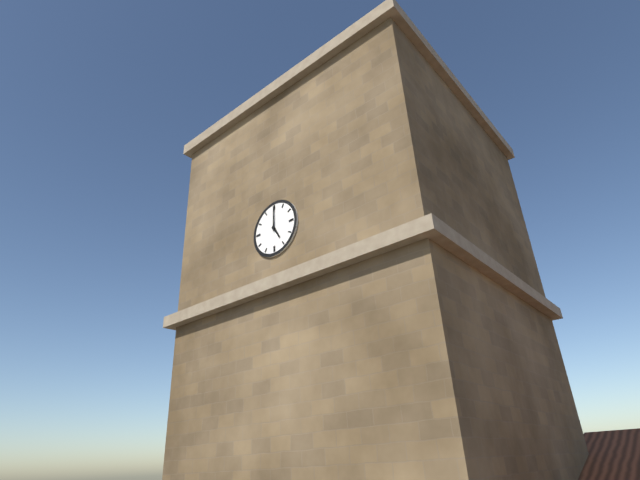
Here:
h=5 m=0
